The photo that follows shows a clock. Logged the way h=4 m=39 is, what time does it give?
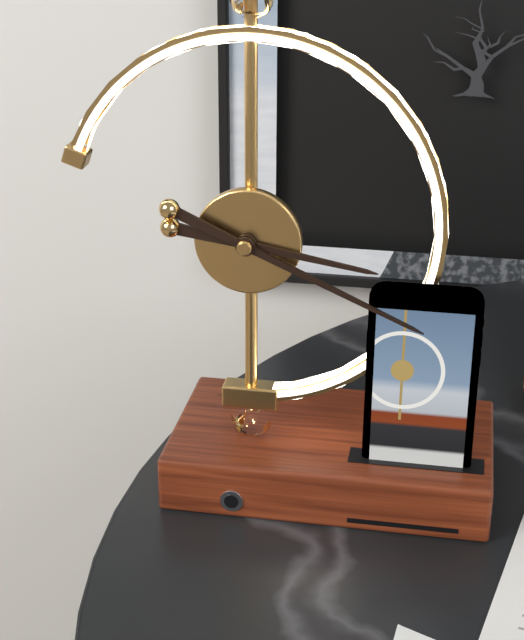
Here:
h=3 m=19
